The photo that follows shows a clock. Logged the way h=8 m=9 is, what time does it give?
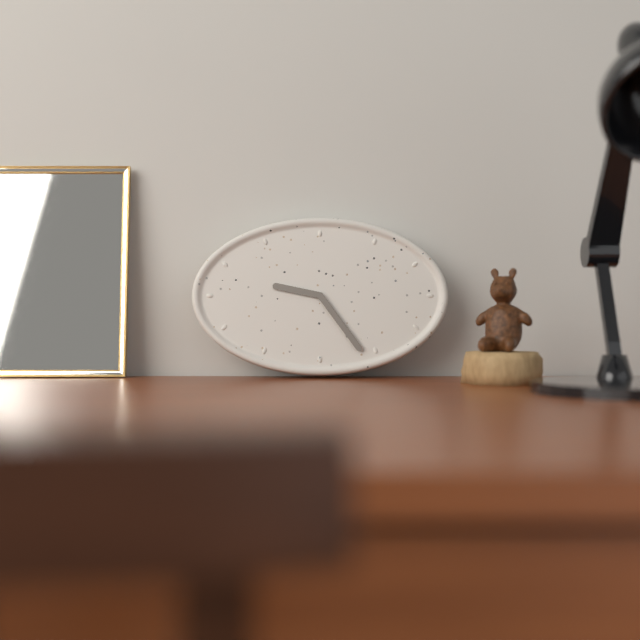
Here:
h=9 m=24
